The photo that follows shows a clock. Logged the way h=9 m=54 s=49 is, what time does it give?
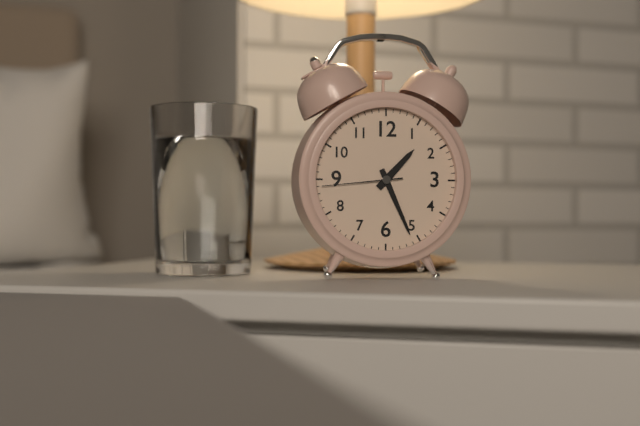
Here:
h=1 m=26 s=44
